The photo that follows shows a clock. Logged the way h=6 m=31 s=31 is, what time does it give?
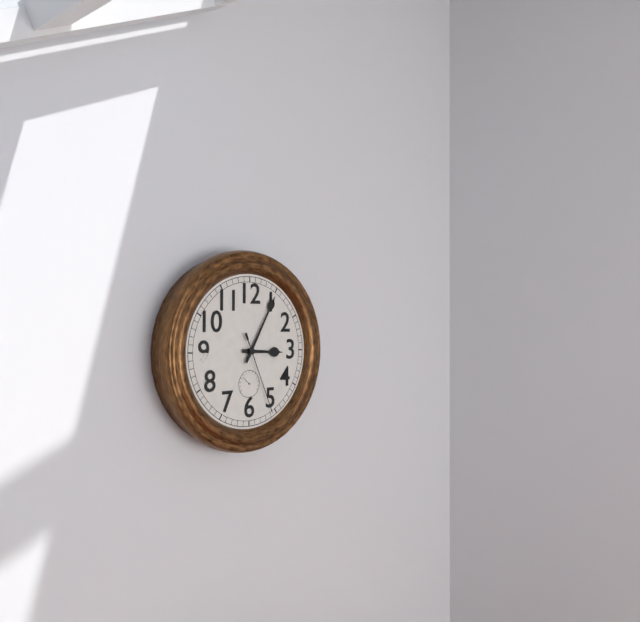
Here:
h=3 m=5 s=26
